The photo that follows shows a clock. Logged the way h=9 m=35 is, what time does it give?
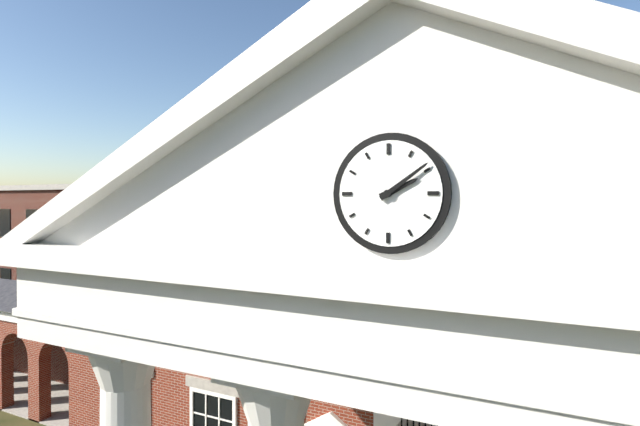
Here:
h=2 m=9
